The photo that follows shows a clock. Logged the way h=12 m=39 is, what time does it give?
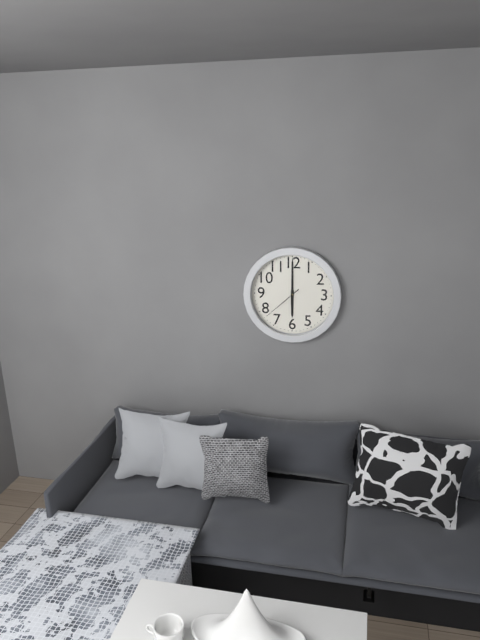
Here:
h=6 m=0
